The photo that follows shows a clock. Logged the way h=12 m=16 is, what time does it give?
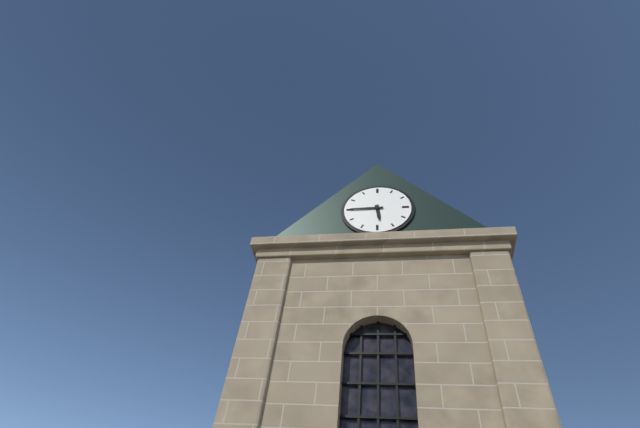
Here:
h=5 m=45
